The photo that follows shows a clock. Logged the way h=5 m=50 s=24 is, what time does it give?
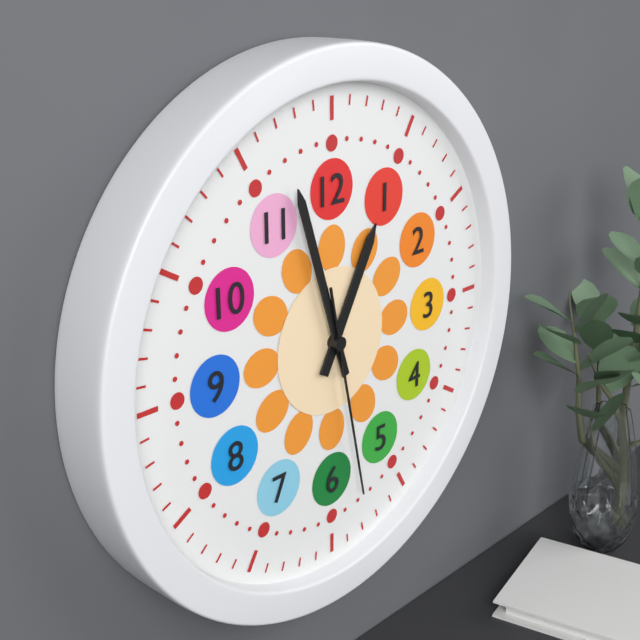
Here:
h=12 m=57 s=28
